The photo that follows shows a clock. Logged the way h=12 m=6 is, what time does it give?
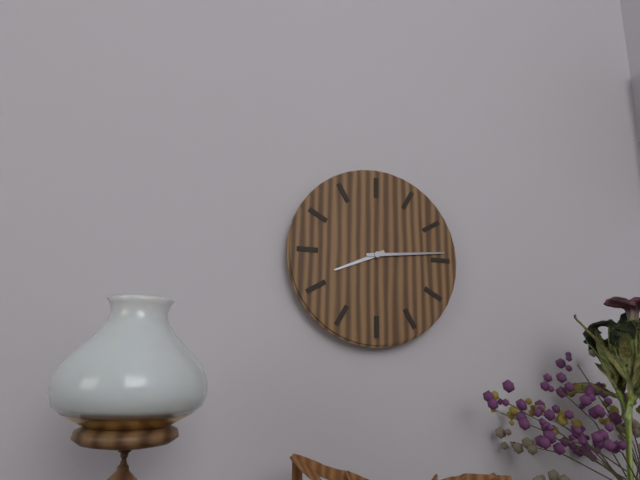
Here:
h=8 m=14
